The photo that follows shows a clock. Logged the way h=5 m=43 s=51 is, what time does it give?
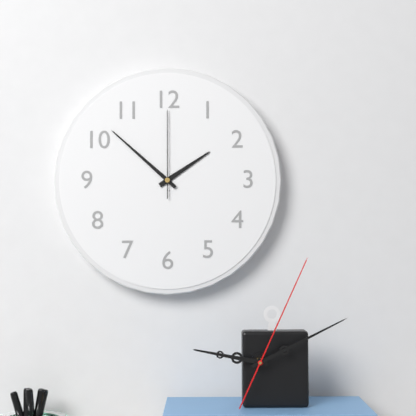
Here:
h=1 m=52 s=0
